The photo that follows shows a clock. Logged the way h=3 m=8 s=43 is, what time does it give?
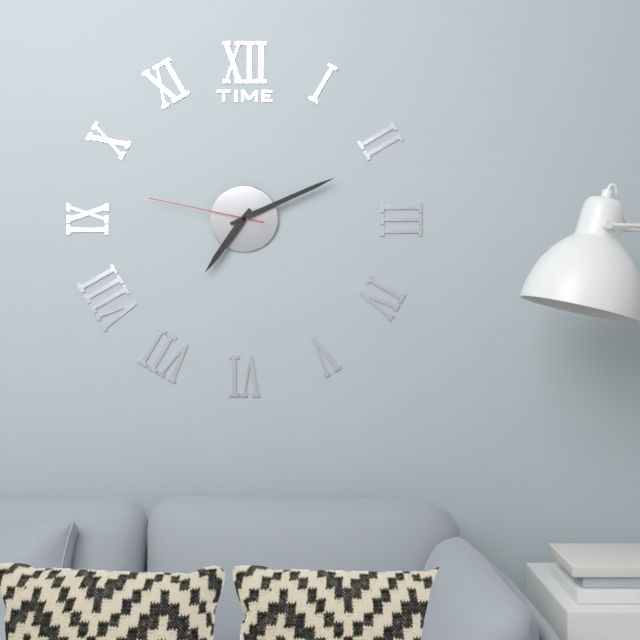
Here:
h=7 m=11 s=47
